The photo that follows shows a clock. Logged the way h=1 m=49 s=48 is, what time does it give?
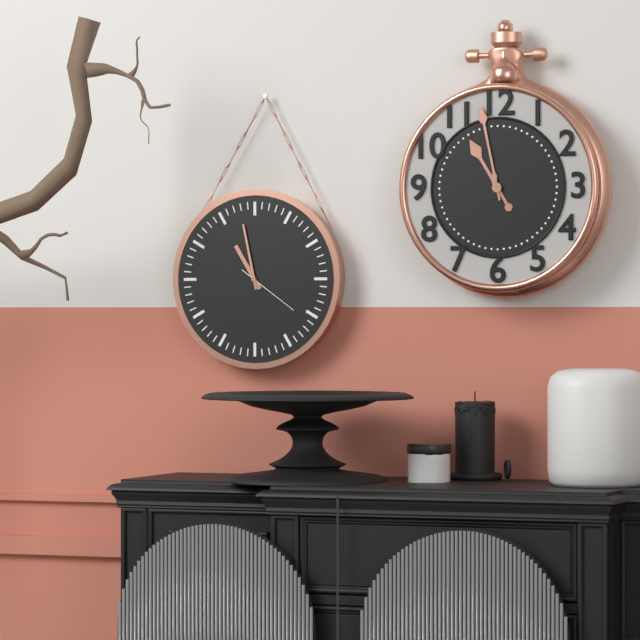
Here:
h=10 m=58 s=21
